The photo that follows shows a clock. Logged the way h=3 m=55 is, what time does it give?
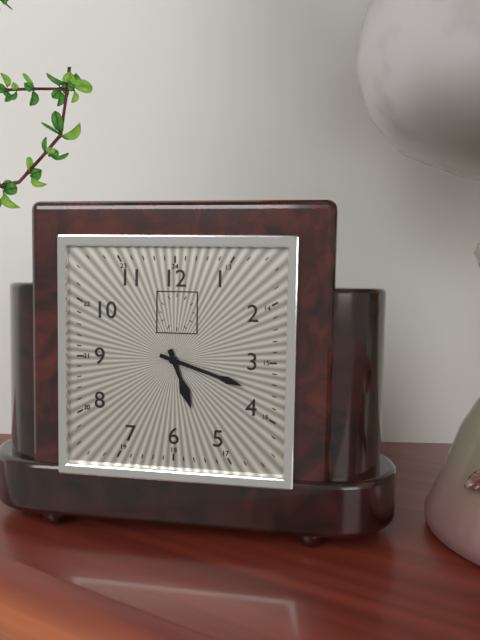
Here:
h=5 m=18
